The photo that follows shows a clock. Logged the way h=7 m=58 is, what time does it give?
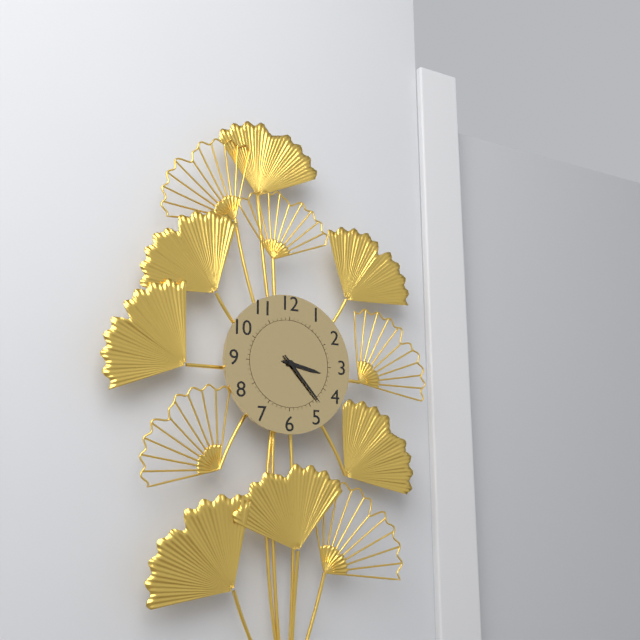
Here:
h=3 m=23
